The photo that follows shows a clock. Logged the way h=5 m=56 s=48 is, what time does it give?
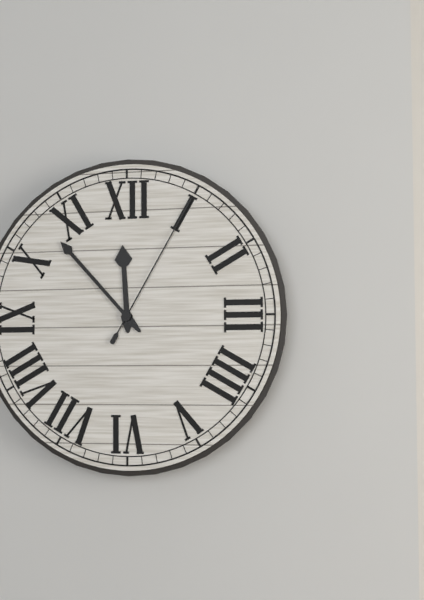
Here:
h=11 m=53 s=5
